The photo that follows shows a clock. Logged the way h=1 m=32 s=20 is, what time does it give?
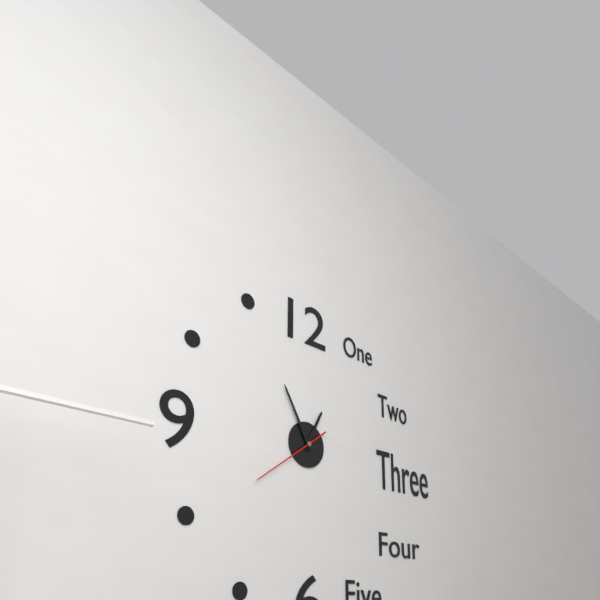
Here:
h=12 m=55 s=39
